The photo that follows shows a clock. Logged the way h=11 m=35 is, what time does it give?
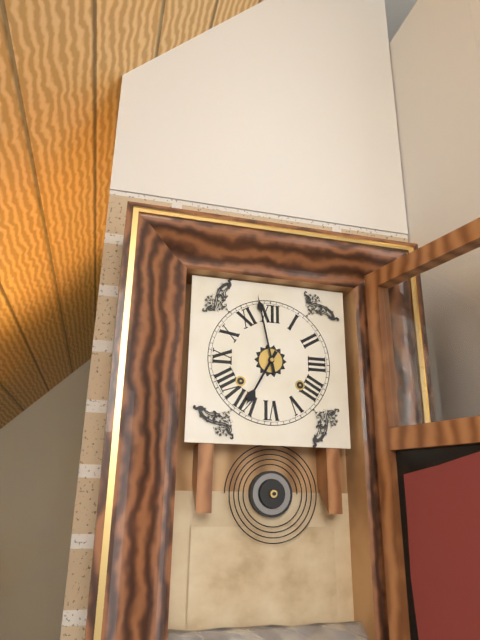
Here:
h=6 m=58
